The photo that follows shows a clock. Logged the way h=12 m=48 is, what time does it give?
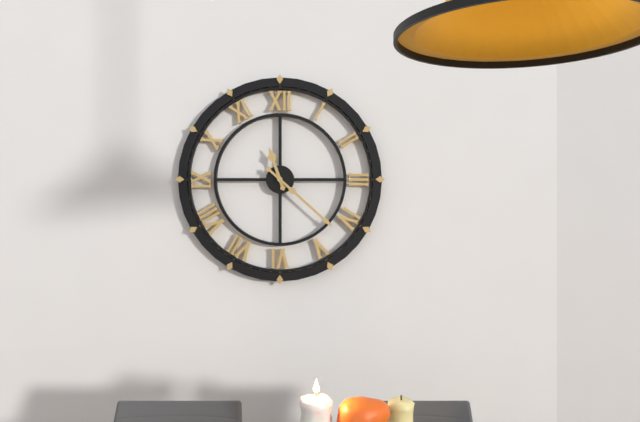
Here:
h=11 m=22
